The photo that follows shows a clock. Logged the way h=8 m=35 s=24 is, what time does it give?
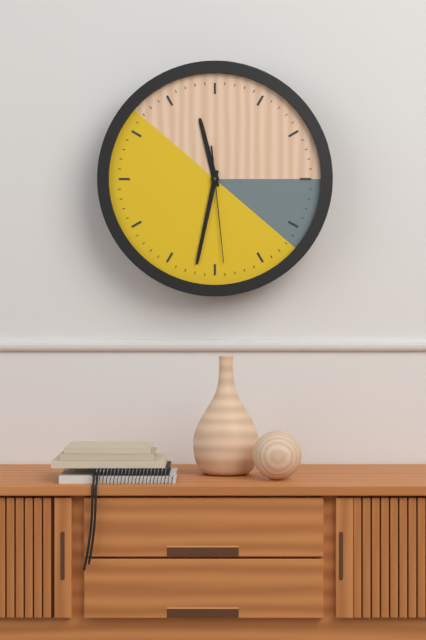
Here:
h=11 m=32 s=29
